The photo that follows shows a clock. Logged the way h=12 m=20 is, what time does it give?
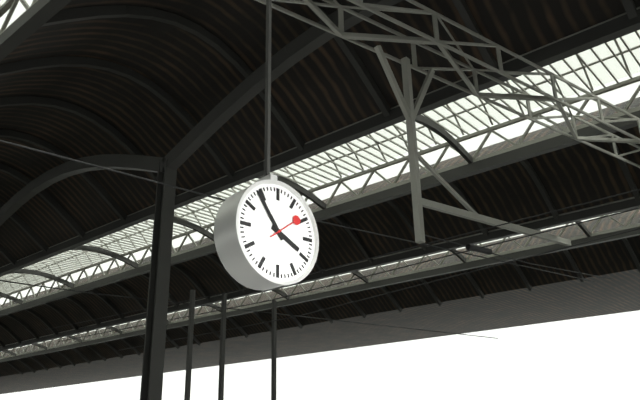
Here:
h=3 m=54
